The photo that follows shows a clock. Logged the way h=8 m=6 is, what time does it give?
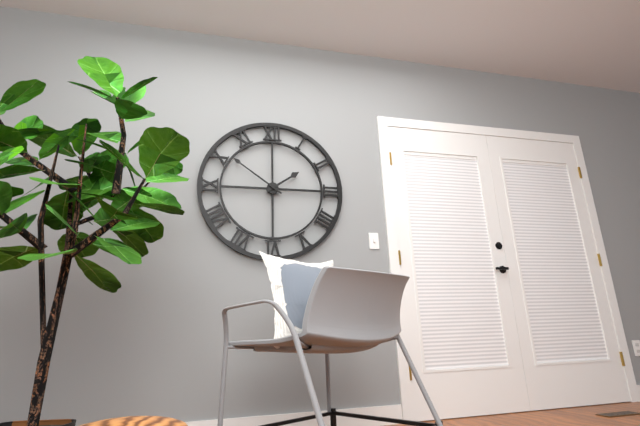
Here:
h=1 m=51
